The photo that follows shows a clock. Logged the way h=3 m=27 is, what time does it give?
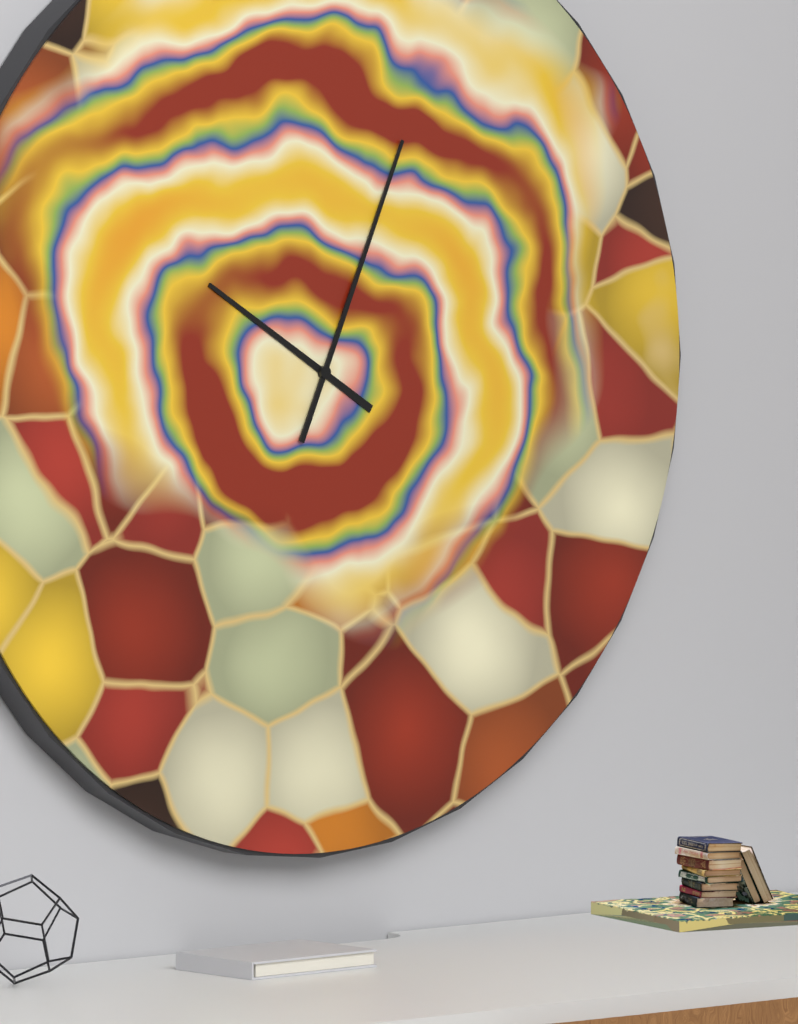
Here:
h=10 m=4
